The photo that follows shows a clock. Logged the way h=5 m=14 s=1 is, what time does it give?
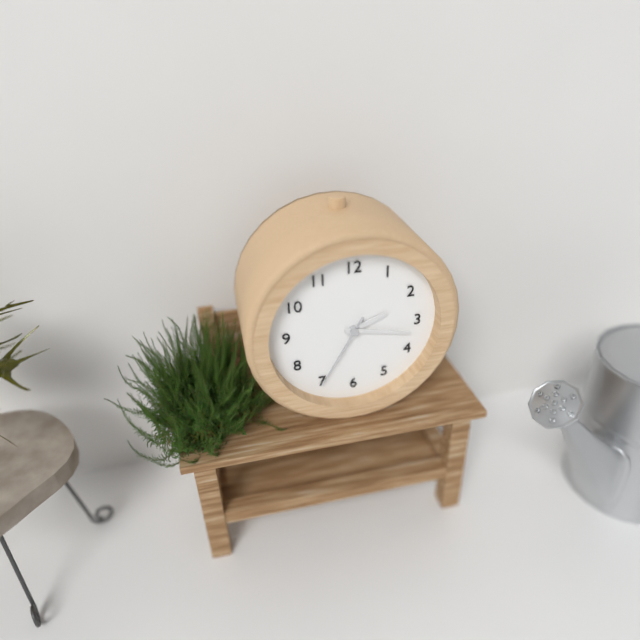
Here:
h=2 m=17 s=35
